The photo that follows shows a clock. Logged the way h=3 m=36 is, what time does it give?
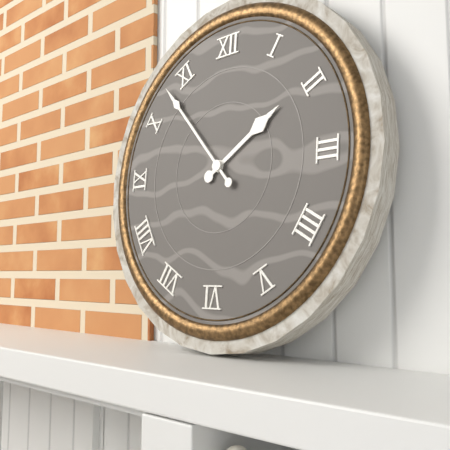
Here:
h=1 m=53
